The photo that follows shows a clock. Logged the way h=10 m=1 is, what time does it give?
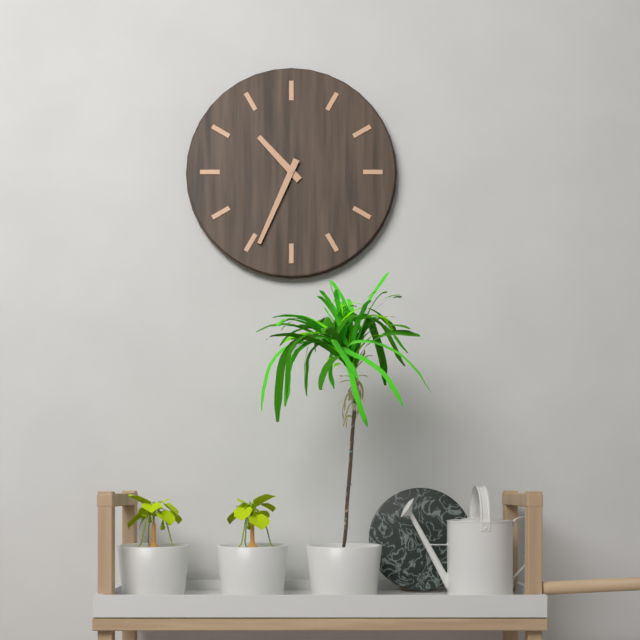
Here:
h=10 m=34
